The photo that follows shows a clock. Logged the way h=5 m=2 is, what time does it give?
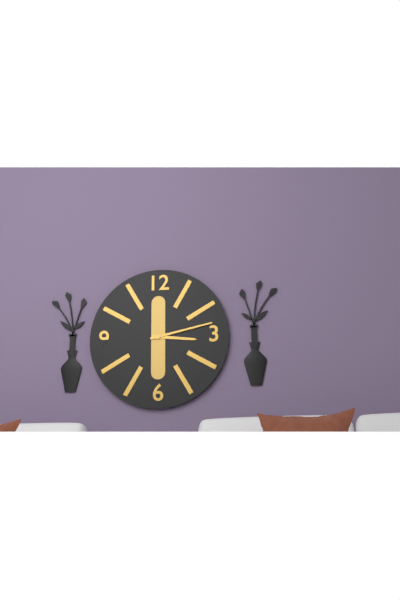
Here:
h=3 m=13
